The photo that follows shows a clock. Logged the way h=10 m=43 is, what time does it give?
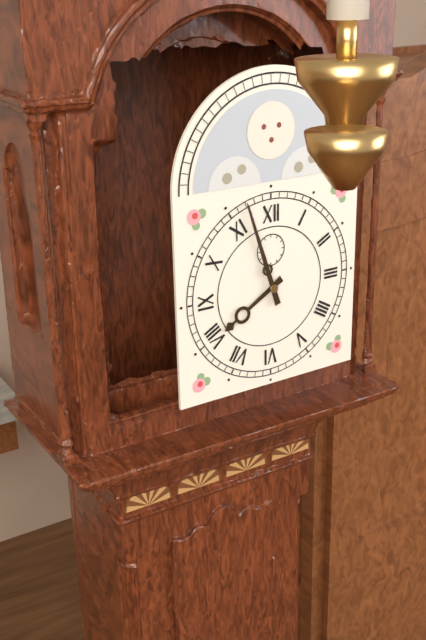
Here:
h=7 m=57
